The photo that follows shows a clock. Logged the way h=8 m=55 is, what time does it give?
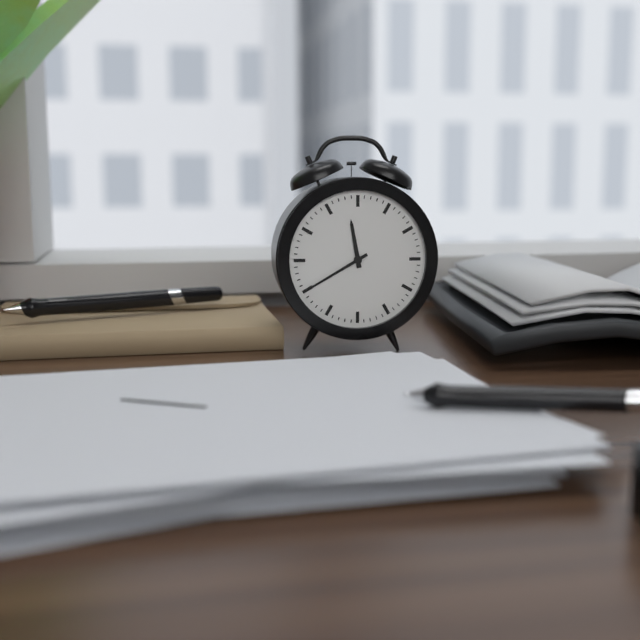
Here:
h=11 m=40
